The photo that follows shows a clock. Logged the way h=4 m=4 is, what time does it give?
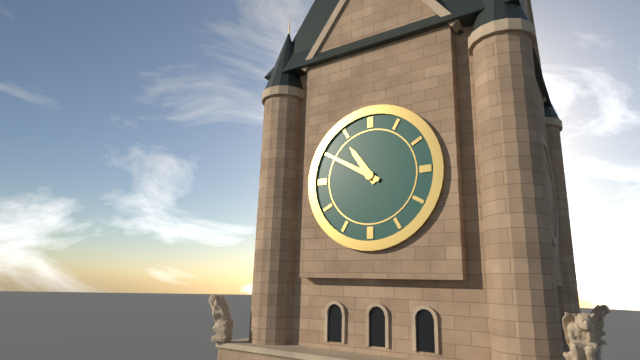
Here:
h=10 m=50
